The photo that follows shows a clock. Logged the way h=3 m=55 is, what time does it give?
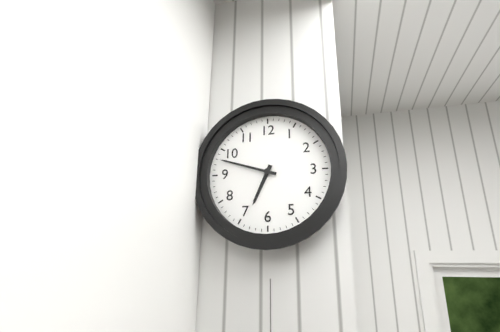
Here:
h=6 m=48
